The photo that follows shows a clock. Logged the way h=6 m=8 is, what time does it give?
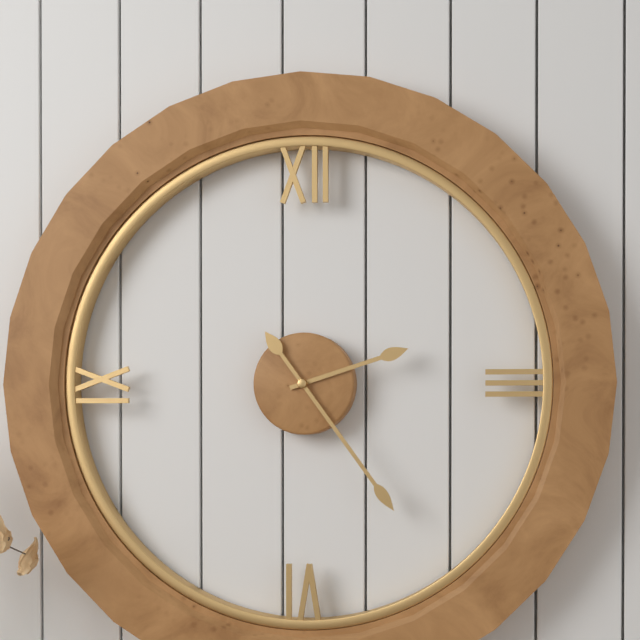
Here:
h=2 m=24
